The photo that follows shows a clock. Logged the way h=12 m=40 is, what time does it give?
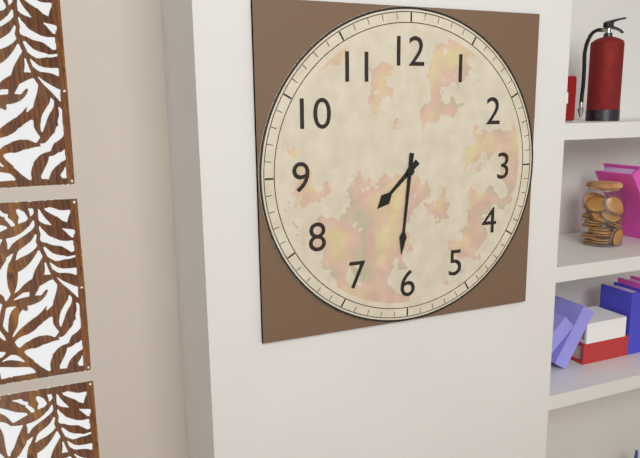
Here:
h=7 m=31
